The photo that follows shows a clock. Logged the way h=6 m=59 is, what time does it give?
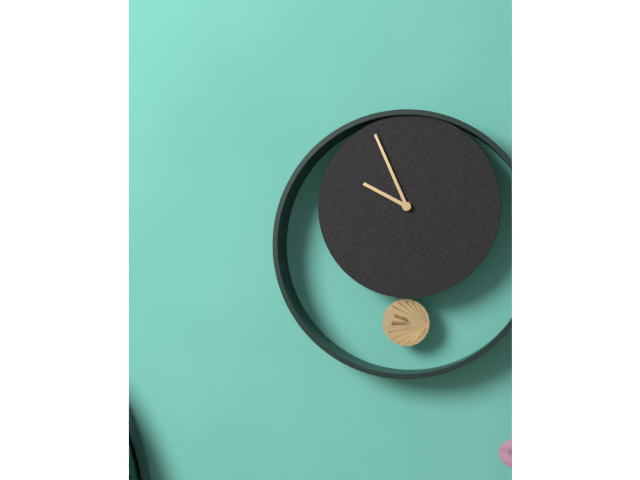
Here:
h=9 m=56
